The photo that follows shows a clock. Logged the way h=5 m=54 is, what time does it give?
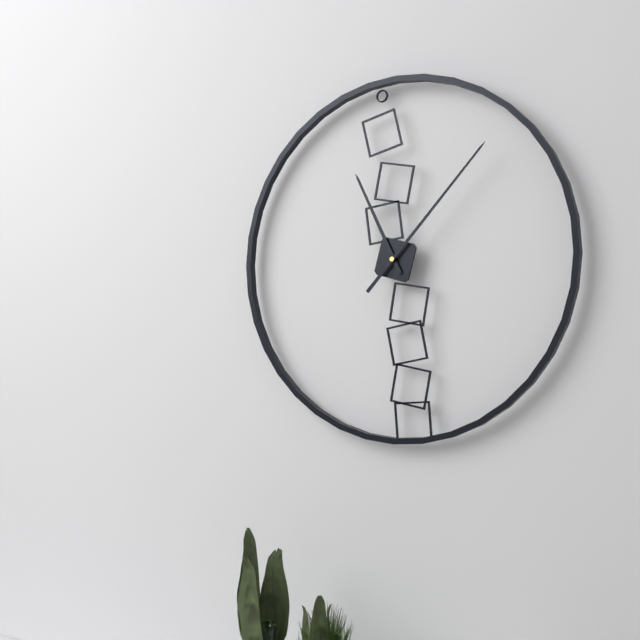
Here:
h=11 m=7
